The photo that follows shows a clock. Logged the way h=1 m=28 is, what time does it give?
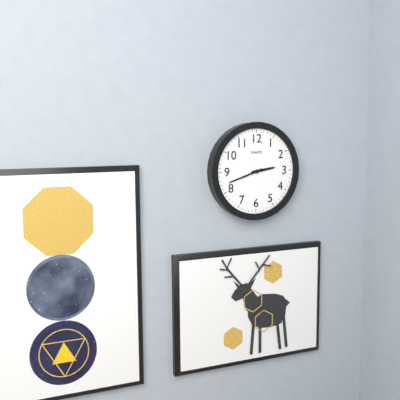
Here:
h=2 m=42
